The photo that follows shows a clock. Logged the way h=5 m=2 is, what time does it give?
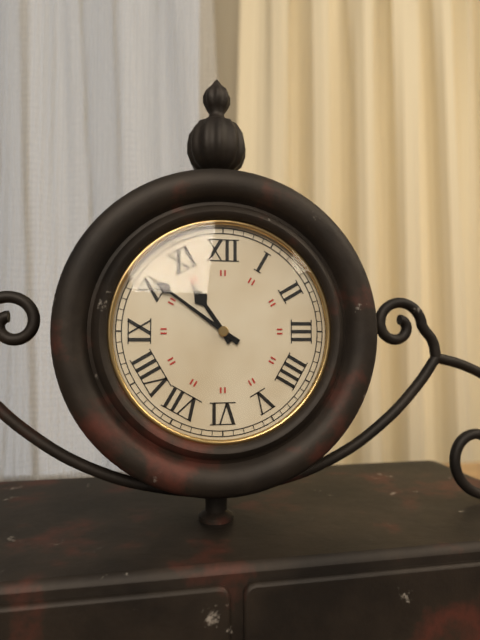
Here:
h=10 m=51
